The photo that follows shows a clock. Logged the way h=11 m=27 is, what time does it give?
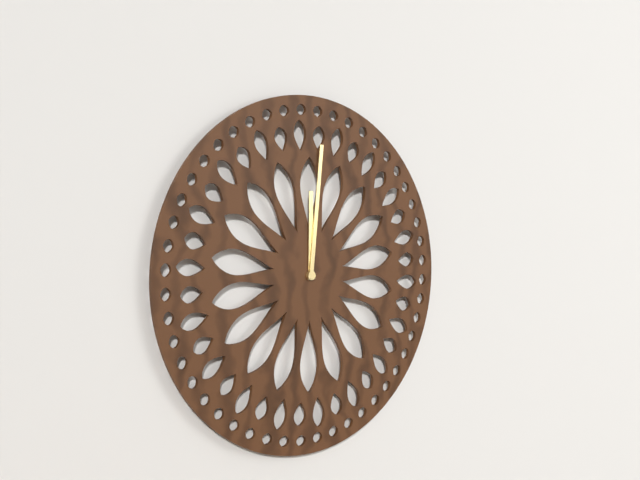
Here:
h=12 m=1
